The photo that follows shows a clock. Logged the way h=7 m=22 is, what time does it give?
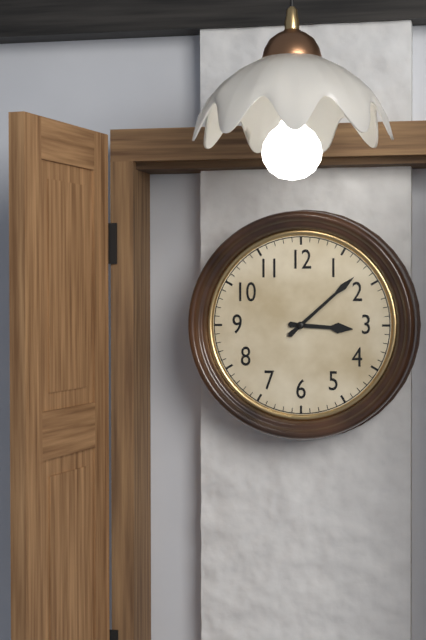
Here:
h=3 m=8
